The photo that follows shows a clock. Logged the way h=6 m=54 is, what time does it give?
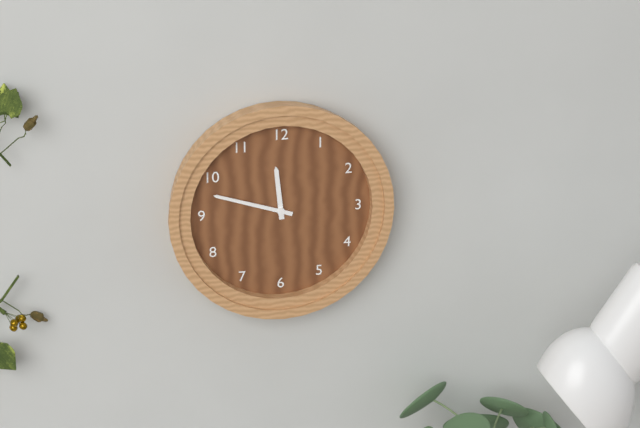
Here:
h=11 m=48
